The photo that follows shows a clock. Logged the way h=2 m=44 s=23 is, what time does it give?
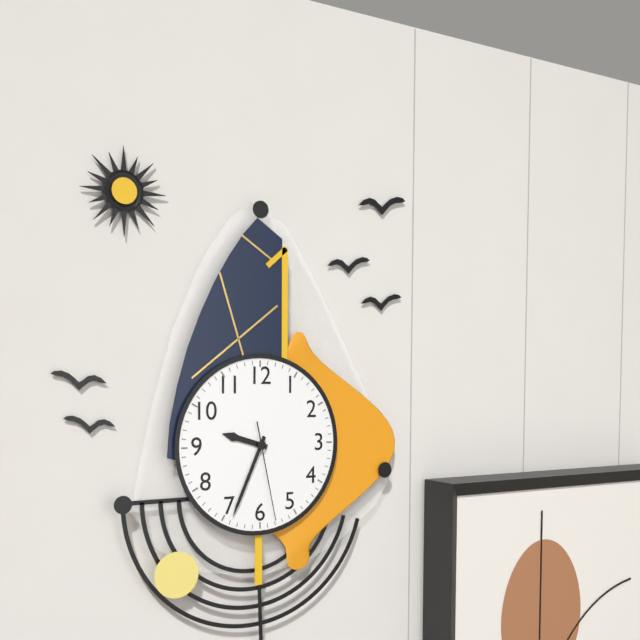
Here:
h=9 m=34 s=28
